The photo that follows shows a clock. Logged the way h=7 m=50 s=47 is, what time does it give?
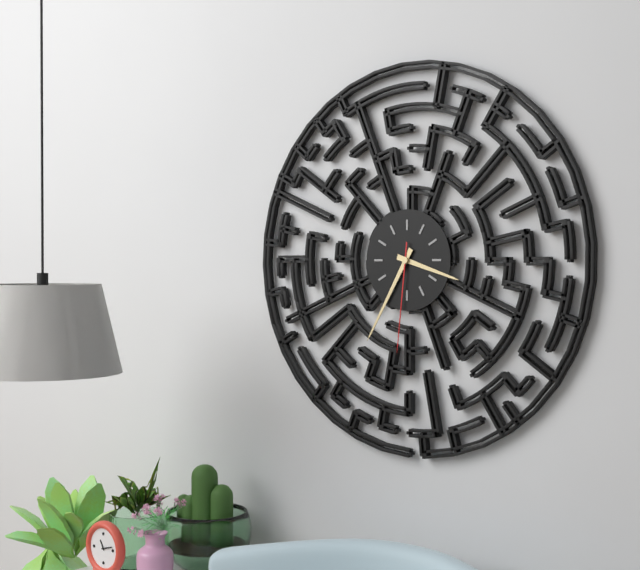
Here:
h=3 m=35 s=31
